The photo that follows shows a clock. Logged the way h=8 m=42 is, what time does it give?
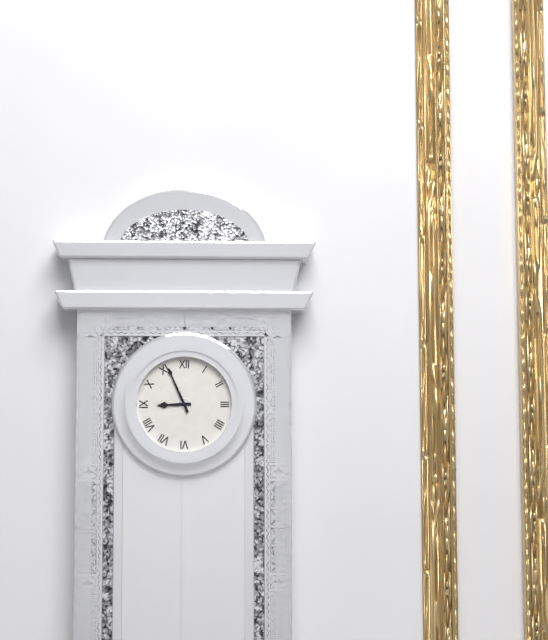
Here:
h=8 m=56
